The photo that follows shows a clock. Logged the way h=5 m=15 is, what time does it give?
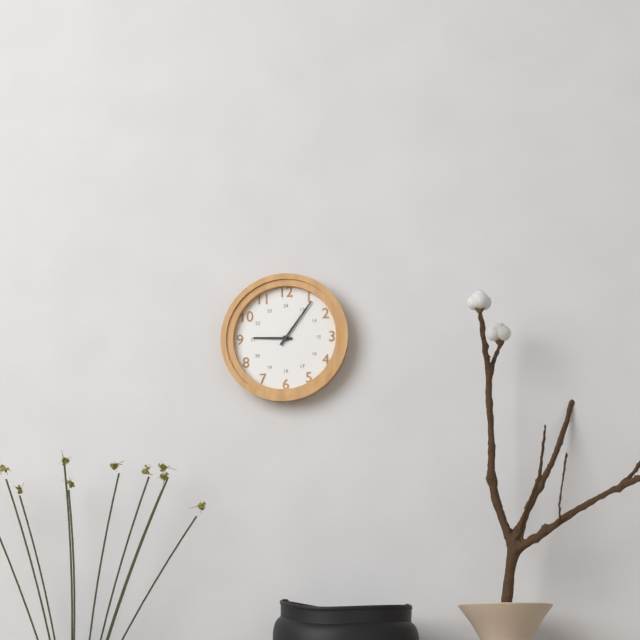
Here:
h=9 m=6
